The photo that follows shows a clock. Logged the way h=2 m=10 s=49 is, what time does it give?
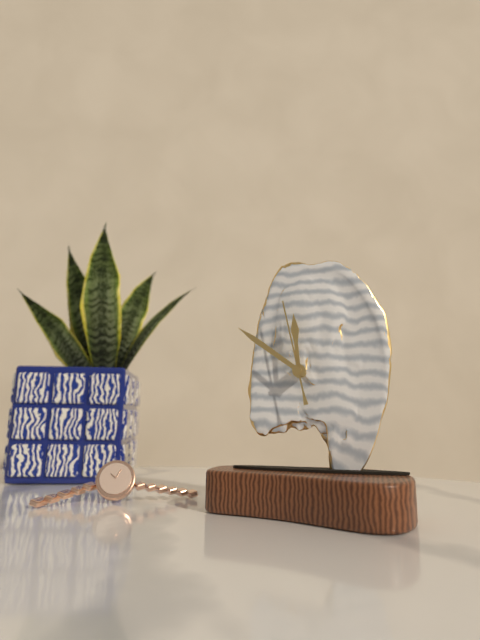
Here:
h=11 m=51 s=58
